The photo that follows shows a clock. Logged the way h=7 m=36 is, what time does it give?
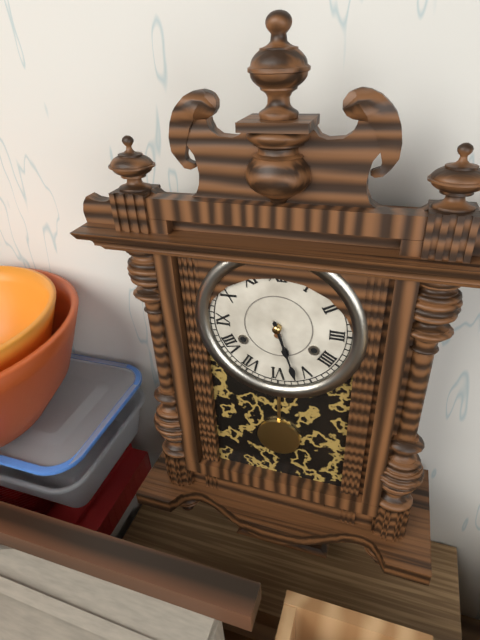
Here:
h=5 m=27
